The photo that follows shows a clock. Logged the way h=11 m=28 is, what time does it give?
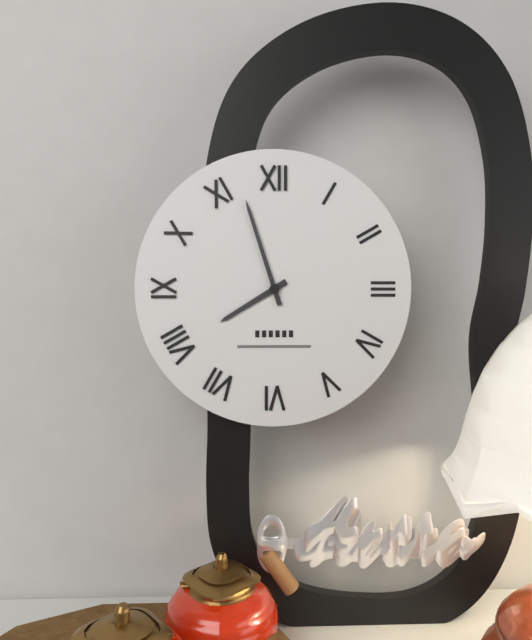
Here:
h=7 m=57
